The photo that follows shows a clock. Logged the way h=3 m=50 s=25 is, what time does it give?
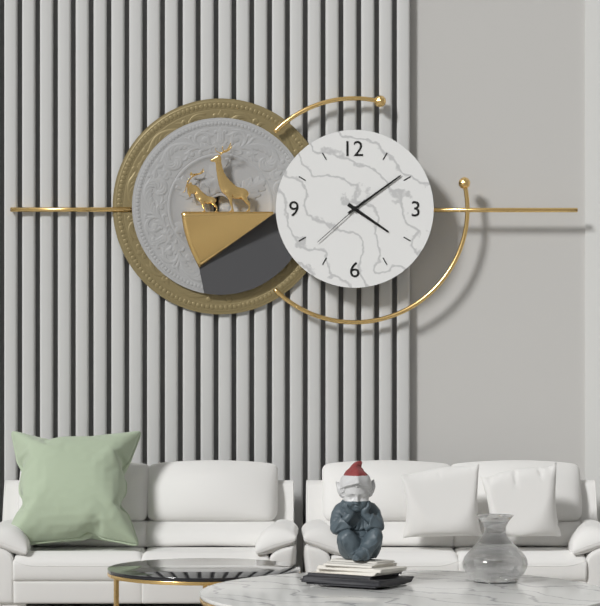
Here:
h=4 m=9 s=38
